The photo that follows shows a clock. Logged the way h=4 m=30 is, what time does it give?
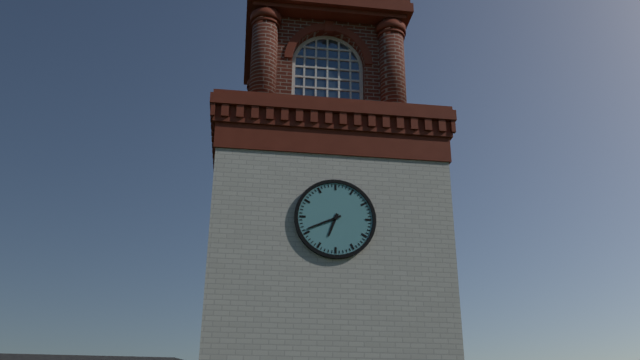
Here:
h=6 m=41
